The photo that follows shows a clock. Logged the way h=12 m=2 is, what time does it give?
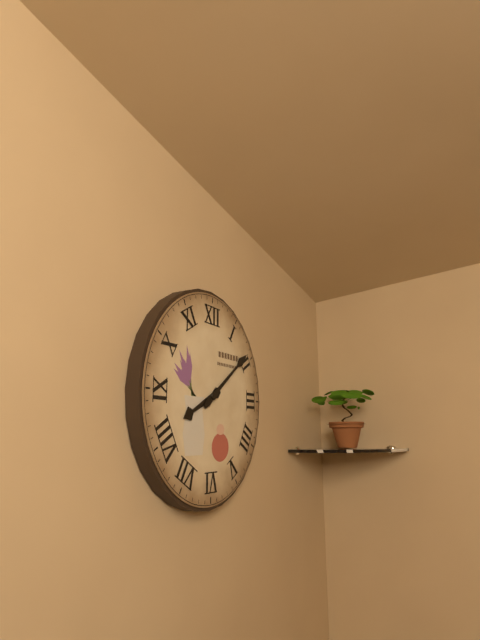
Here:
h=8 m=9
